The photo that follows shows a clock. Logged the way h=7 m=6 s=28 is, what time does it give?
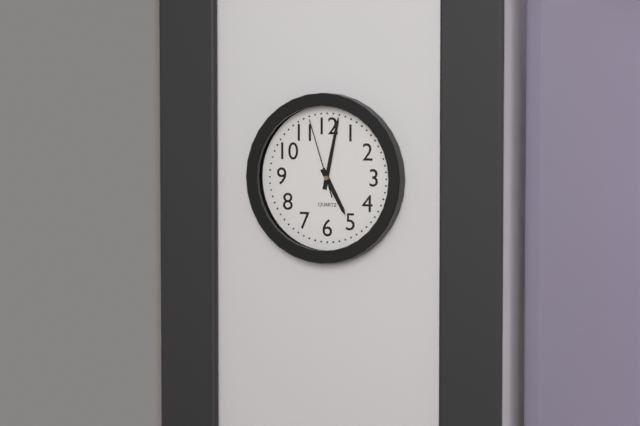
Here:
h=5 m=2 s=57
